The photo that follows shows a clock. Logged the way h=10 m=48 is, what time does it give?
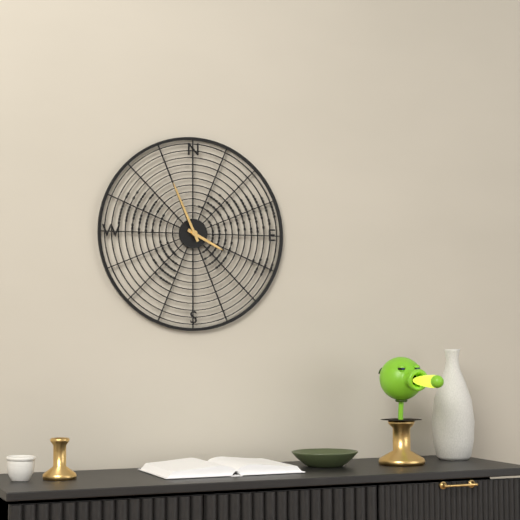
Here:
h=3 m=56
